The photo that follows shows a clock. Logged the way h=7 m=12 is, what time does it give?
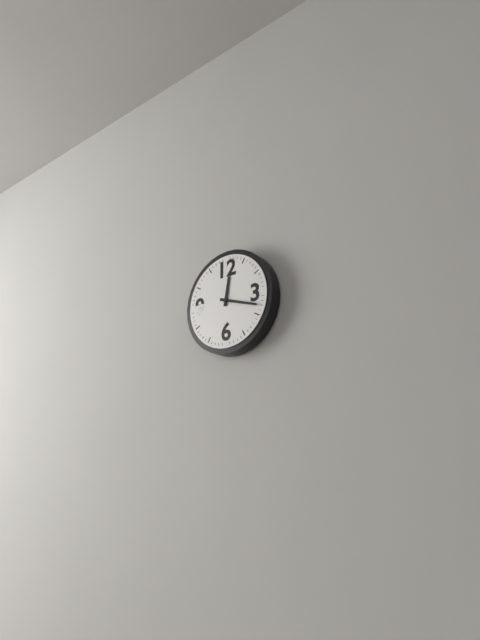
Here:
h=12 m=18
